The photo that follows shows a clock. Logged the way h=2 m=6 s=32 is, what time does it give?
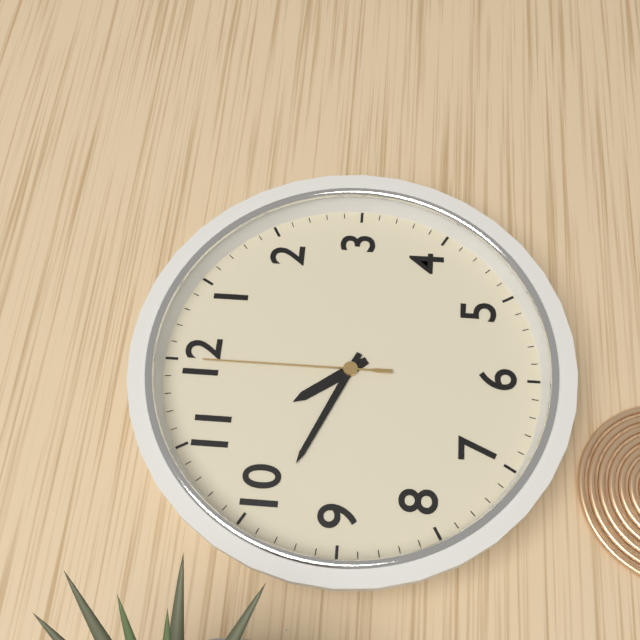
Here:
h=10 m=49 s=0
